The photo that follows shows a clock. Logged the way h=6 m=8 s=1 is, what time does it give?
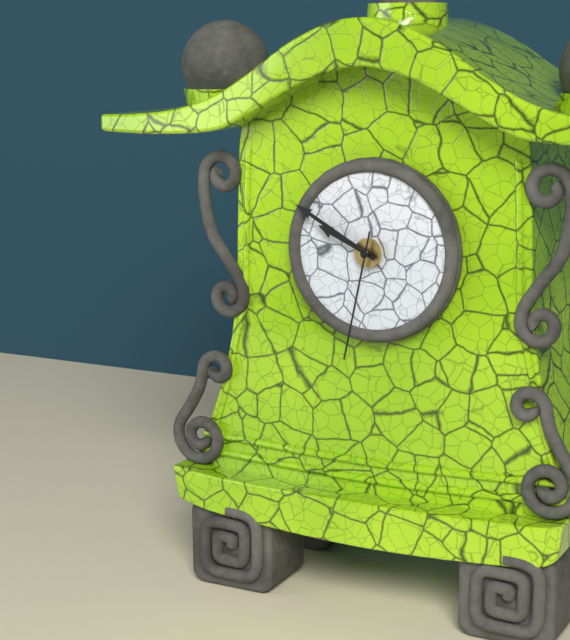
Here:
h=9 m=50 s=32
